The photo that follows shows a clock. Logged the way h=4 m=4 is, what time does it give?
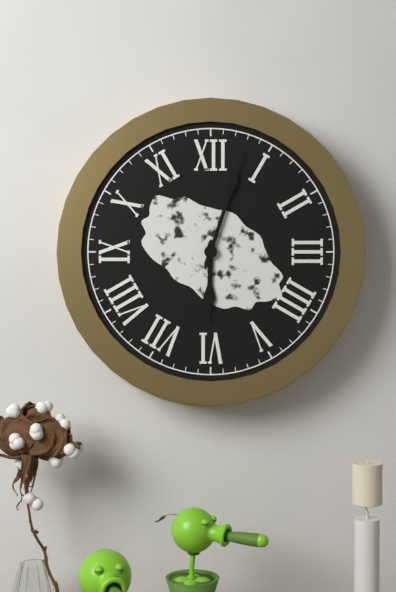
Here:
h=6 m=3
